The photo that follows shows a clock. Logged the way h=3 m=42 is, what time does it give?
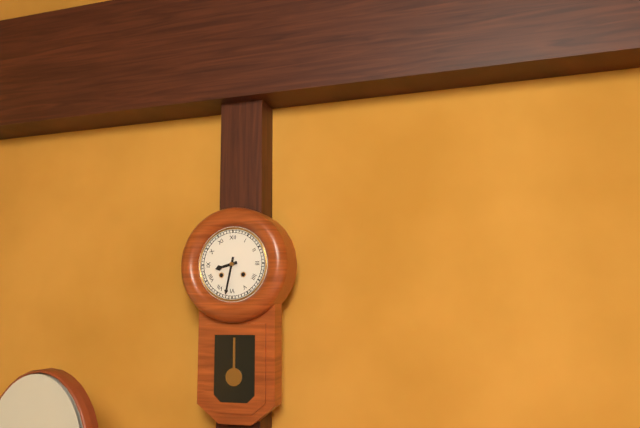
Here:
h=8 m=32
